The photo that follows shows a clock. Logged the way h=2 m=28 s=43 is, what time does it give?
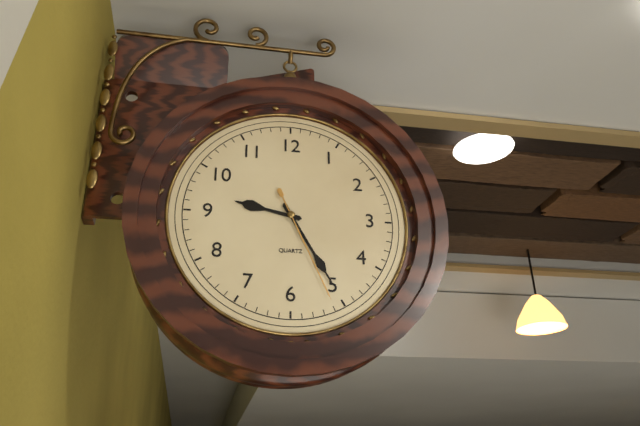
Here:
h=9 m=25 s=26
